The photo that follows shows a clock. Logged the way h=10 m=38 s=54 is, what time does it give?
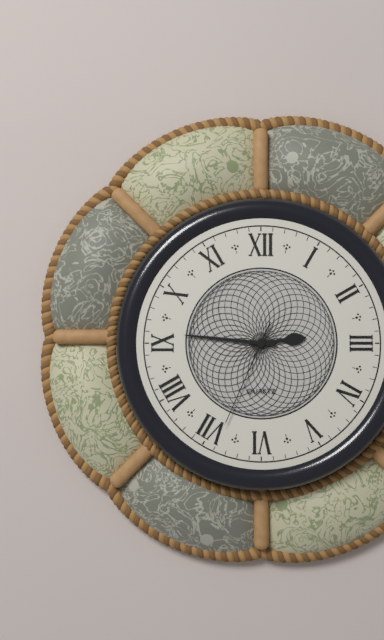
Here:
h=2 m=46 s=34
